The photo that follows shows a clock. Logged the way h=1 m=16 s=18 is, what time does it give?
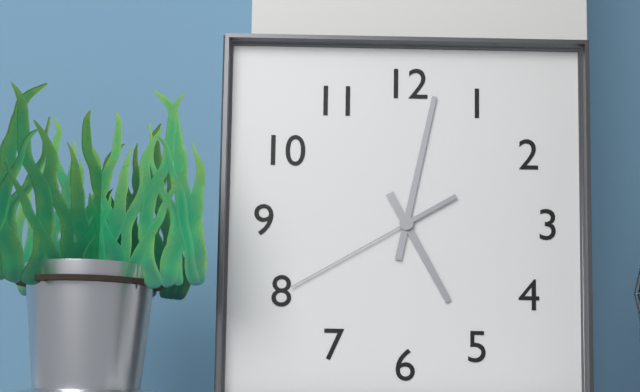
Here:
h=5 m=2 s=40
